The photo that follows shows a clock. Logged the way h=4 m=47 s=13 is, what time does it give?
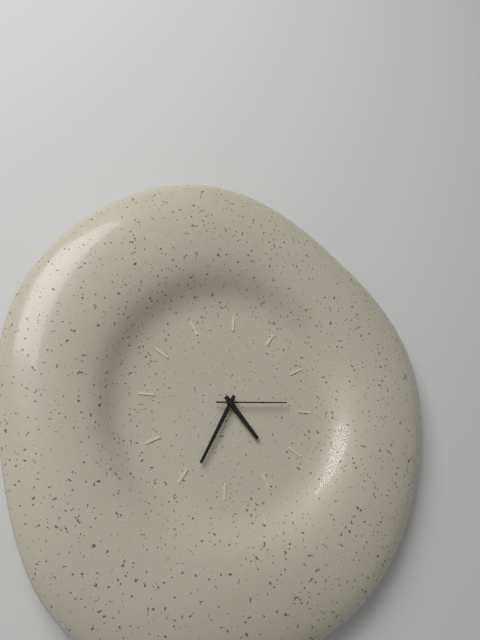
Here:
h=4 m=34 s=14
